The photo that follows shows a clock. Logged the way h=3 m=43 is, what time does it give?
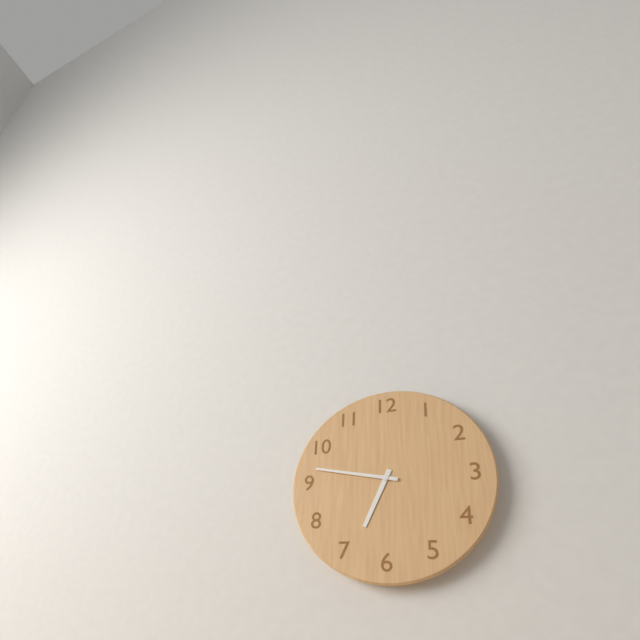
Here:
h=6 m=47
